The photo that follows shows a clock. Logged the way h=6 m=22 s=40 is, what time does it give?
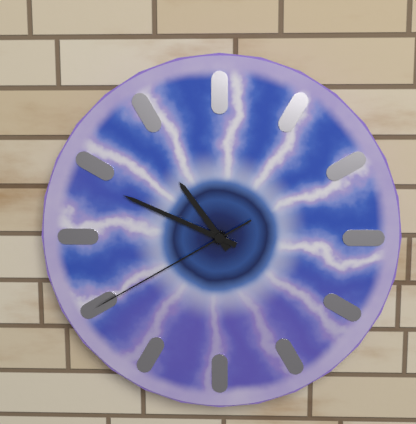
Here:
h=10 m=49 s=40
